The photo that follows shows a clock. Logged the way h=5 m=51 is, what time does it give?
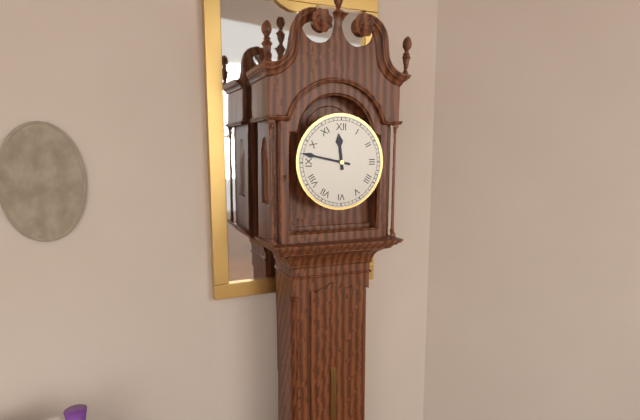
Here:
h=11 m=47
